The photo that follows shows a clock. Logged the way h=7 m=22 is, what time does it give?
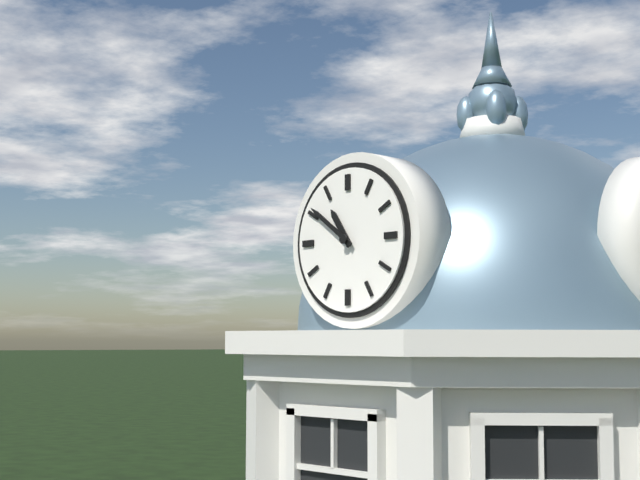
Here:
h=10 m=51
